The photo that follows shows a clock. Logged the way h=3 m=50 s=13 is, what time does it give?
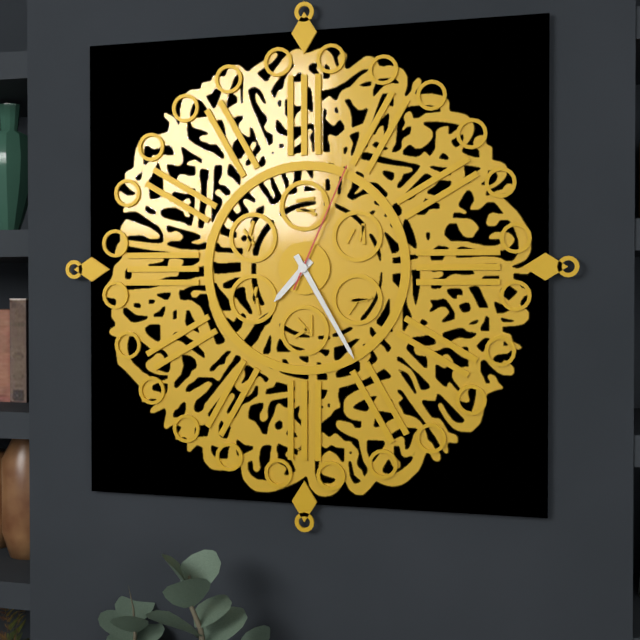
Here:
h=7 m=25 s=4
